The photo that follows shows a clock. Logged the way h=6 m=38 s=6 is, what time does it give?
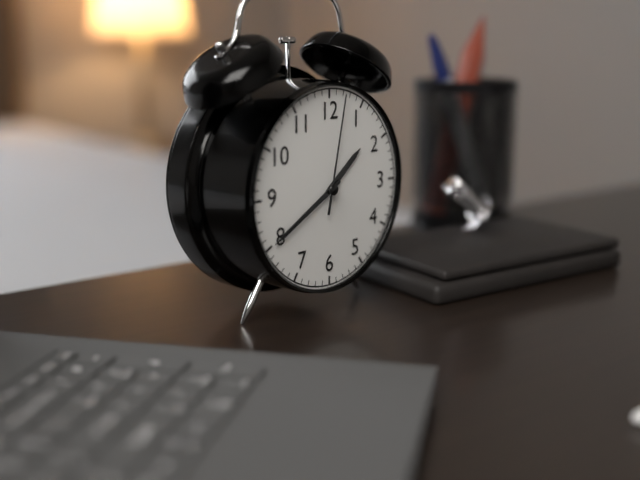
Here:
h=1 m=40 s=2
